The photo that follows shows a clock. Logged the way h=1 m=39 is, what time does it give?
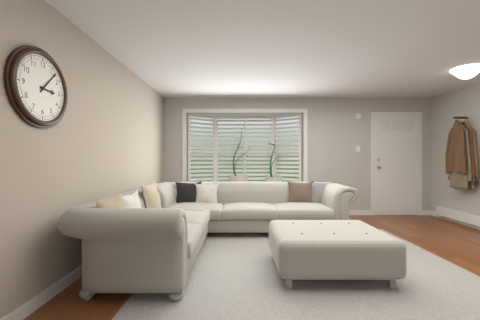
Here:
h=3 m=7
